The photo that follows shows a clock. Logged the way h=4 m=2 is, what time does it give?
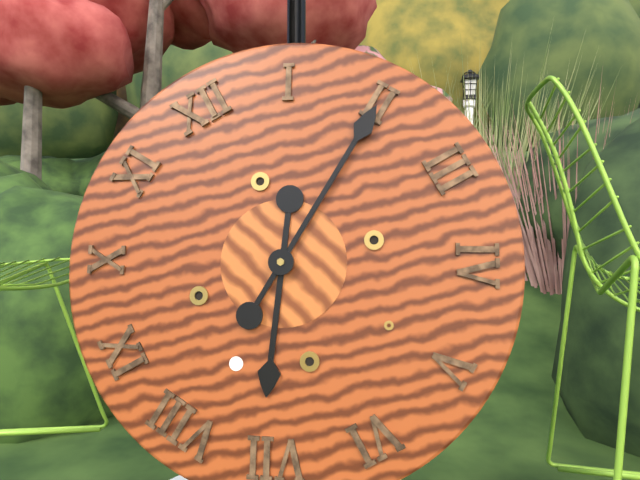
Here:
h=7 m=10
